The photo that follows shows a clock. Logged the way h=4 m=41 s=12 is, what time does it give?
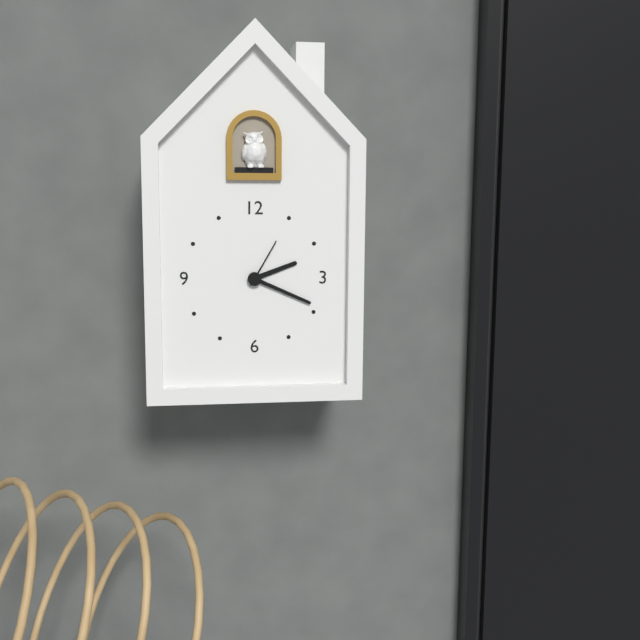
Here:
h=2 m=19 s=5
